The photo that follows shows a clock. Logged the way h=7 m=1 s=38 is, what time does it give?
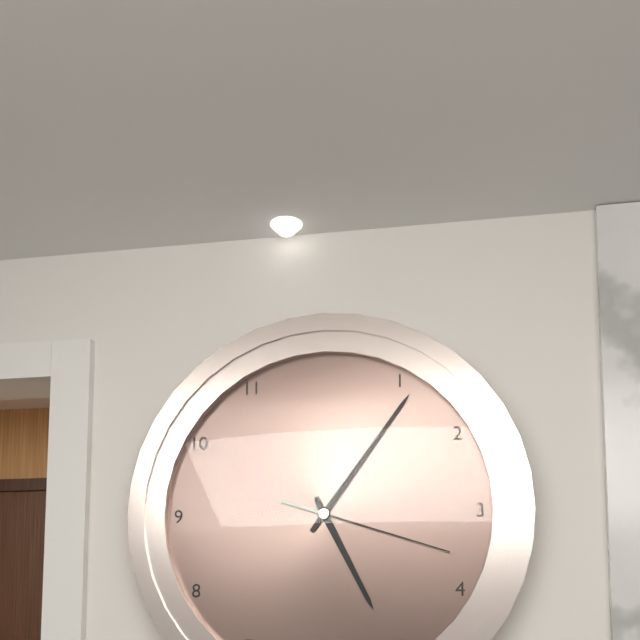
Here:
h=5 m=6 s=18
